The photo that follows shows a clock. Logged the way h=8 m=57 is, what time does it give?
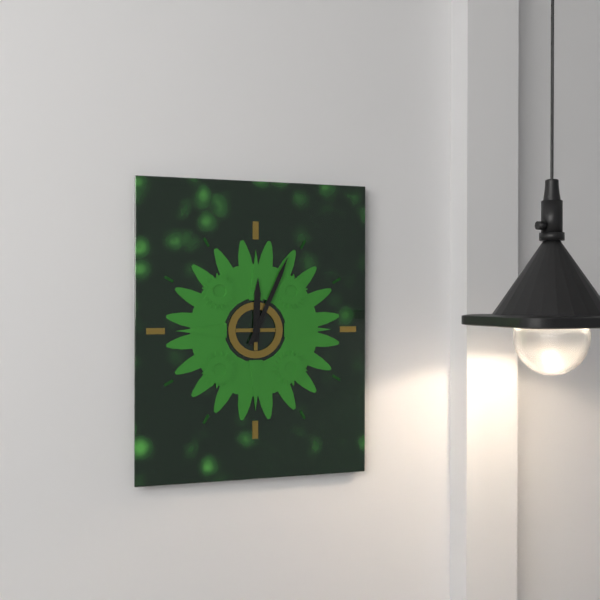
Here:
h=12 m=4
